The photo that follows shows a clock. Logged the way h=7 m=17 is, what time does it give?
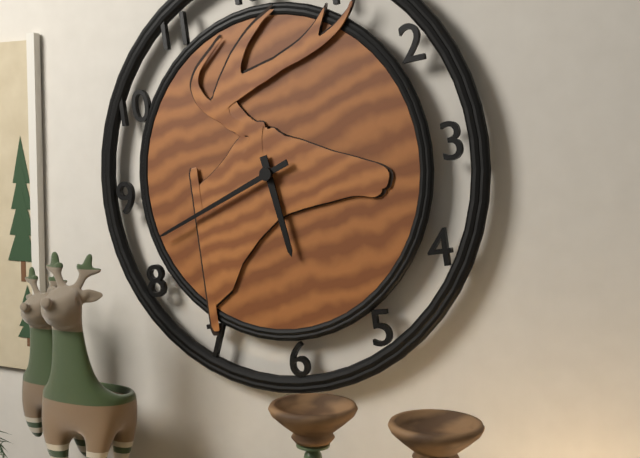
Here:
h=5 m=42
